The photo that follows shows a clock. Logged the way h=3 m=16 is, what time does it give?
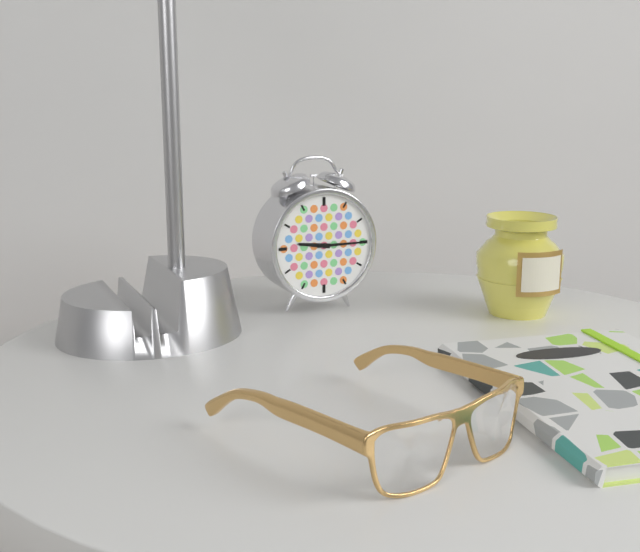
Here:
h=9 m=15
